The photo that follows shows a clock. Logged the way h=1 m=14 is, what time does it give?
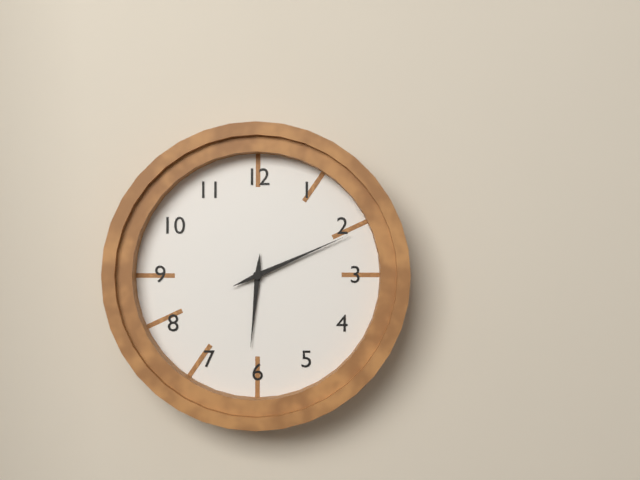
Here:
h=6 m=11
